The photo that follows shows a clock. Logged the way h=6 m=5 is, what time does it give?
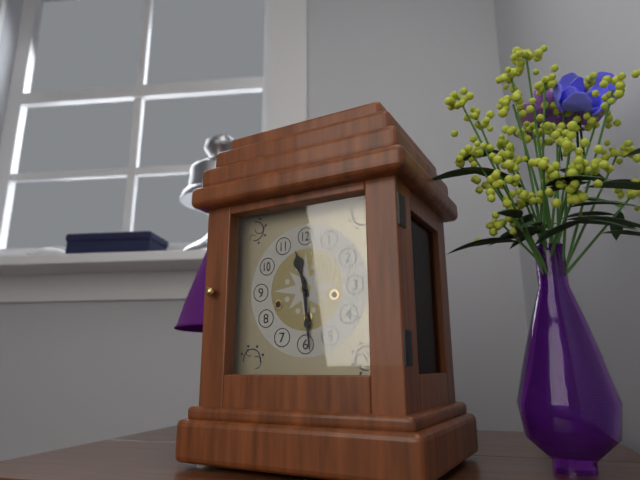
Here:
h=11 m=29
